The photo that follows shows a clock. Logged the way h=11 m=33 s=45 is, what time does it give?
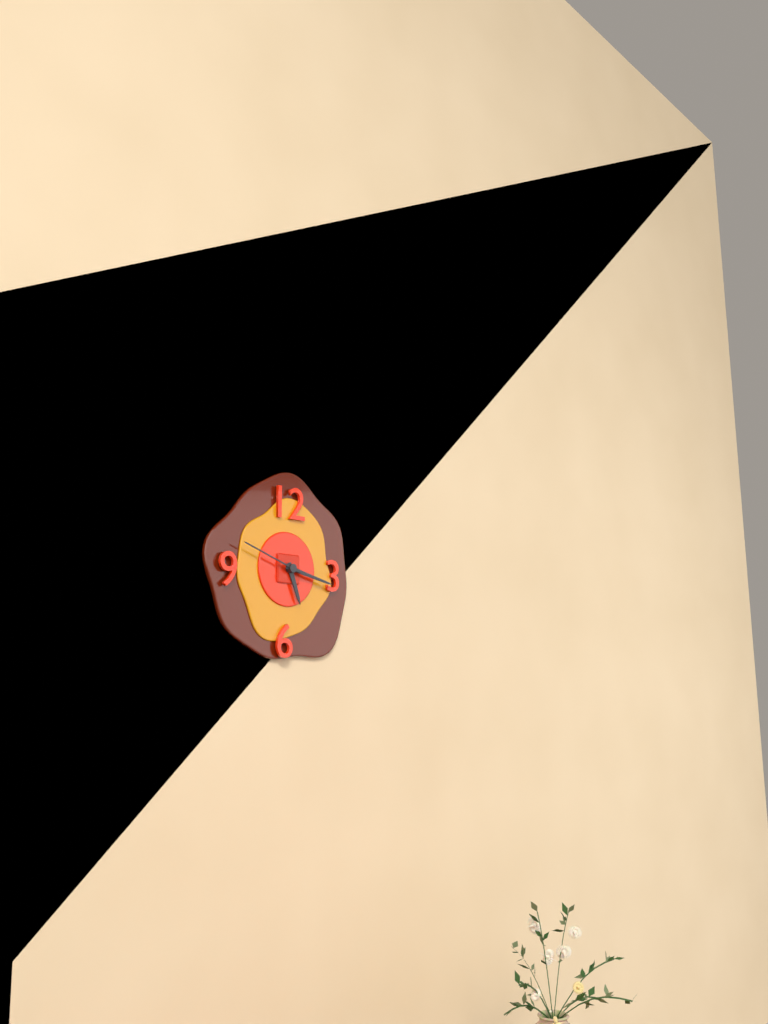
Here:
h=5 m=17 s=48
